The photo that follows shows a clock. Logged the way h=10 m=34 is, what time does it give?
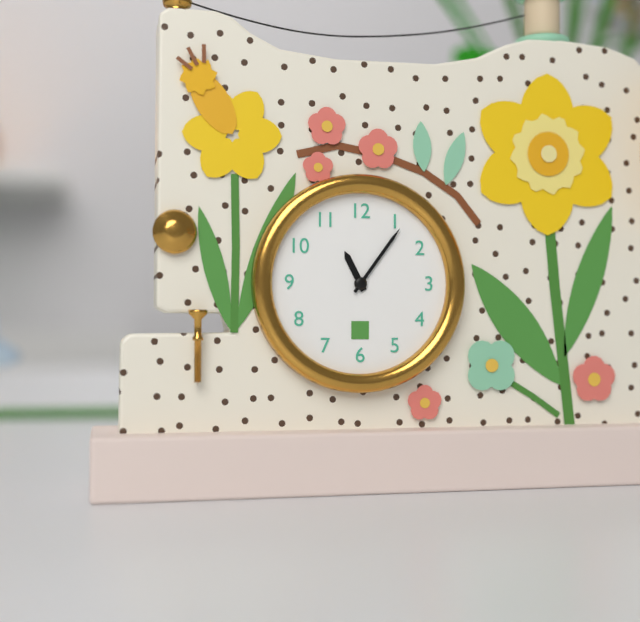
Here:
h=11 m=6
